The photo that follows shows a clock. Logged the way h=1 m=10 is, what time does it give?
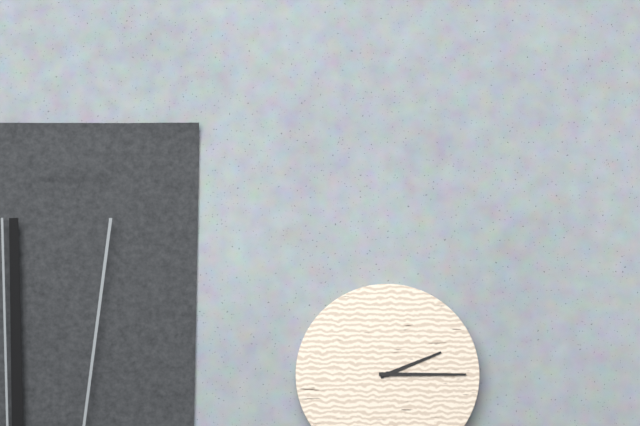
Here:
h=2 m=15
